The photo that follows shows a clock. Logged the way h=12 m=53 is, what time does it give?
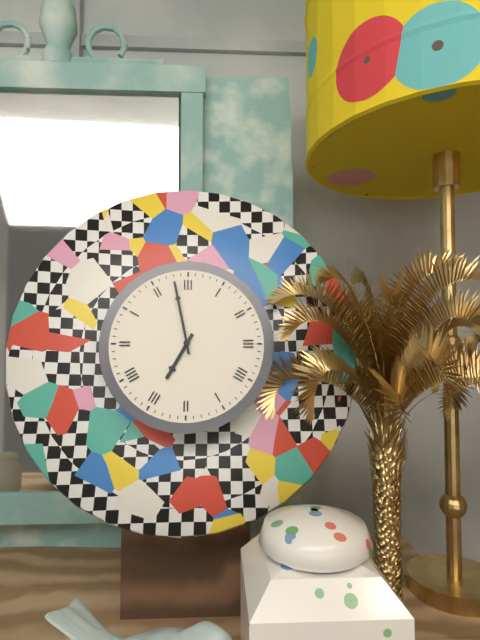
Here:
h=6 m=58
